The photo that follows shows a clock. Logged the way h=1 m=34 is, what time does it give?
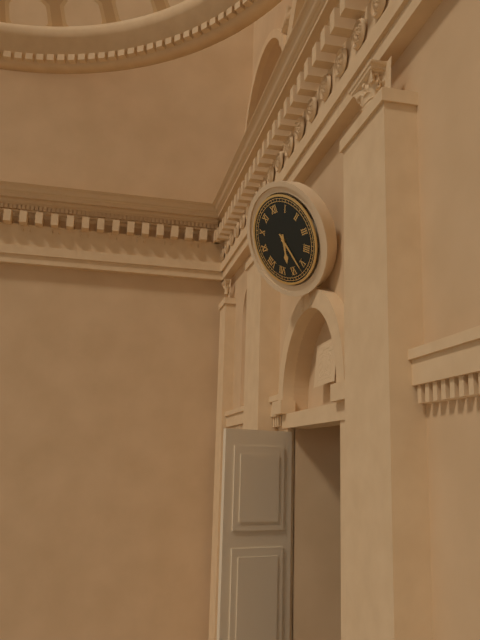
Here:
h=6 m=27
